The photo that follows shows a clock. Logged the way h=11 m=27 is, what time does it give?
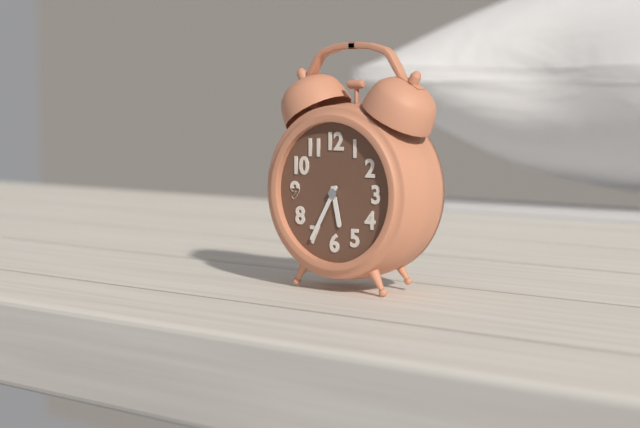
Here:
h=5 m=35
